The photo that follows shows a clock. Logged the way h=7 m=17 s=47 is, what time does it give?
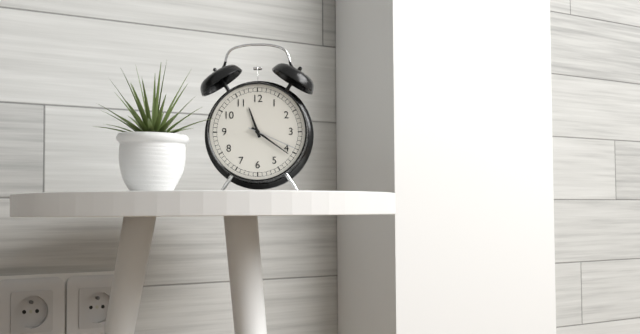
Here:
h=11 m=21 s=19
